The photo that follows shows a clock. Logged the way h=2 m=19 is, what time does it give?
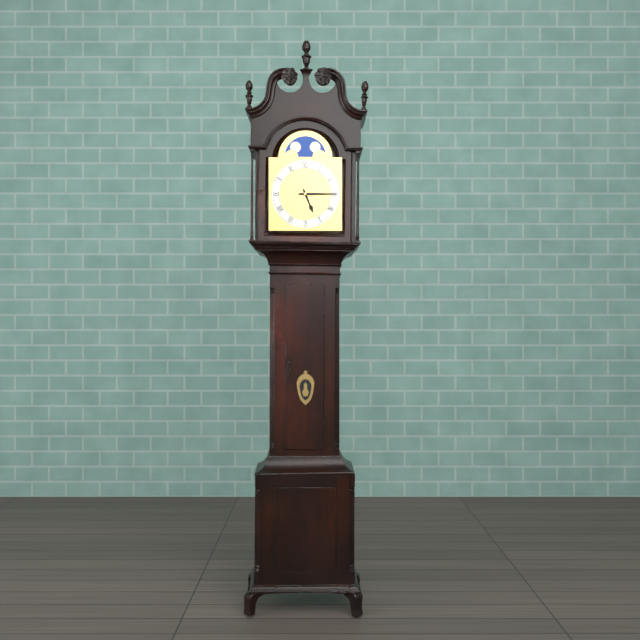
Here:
h=5 m=15
